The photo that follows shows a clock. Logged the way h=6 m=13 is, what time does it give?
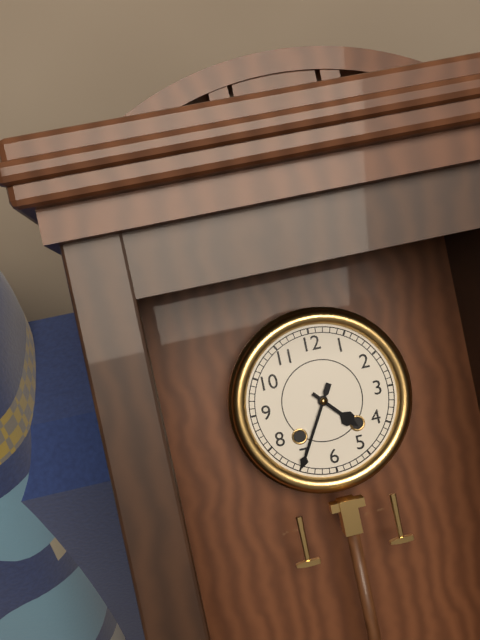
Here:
h=4 m=35
